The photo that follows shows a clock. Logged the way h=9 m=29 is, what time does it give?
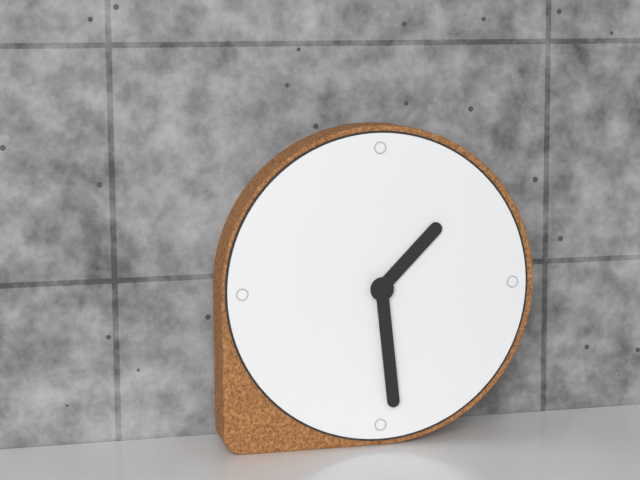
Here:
h=1 m=29
